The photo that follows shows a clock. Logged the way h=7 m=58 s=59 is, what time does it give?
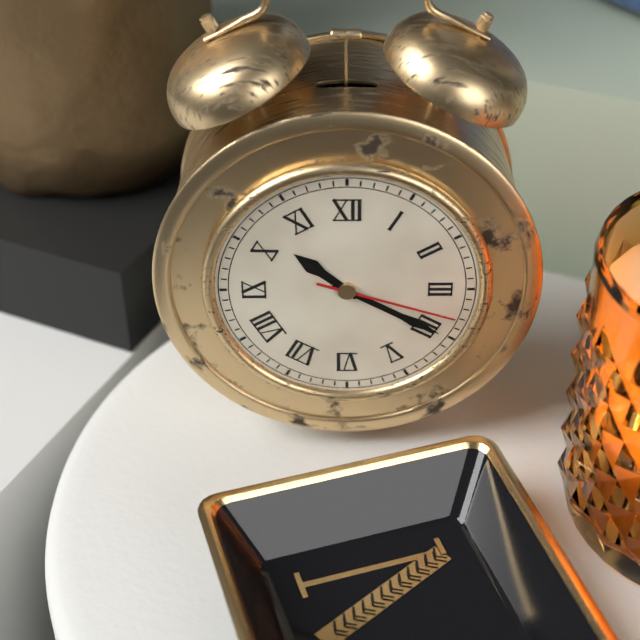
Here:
h=10 m=20 s=18
